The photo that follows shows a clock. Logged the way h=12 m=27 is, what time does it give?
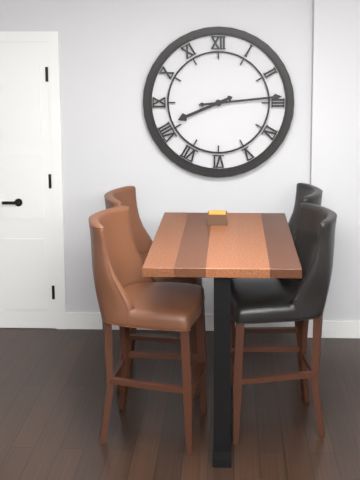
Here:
h=8 m=14
